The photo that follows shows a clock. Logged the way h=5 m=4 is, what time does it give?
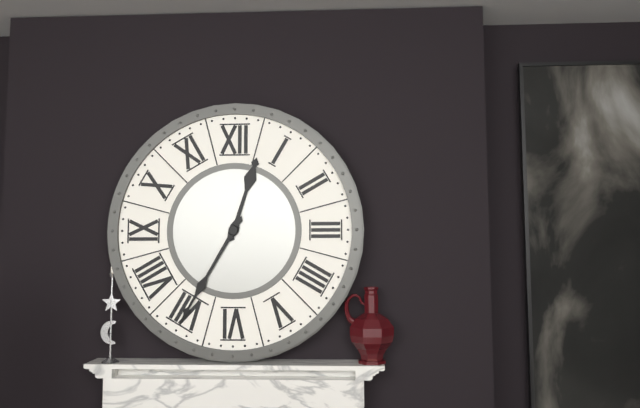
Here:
h=12 m=35
